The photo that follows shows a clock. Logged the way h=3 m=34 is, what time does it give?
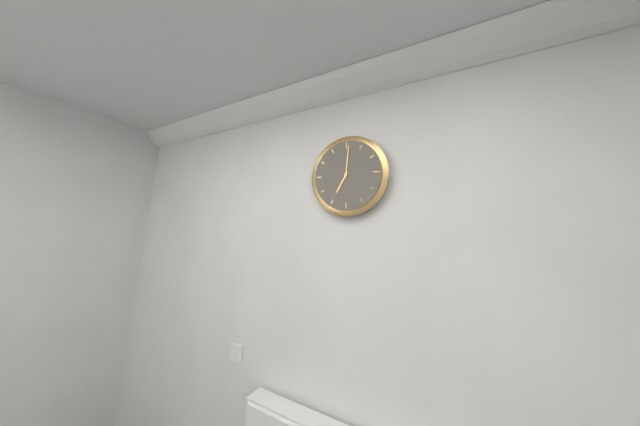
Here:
h=7 m=1
